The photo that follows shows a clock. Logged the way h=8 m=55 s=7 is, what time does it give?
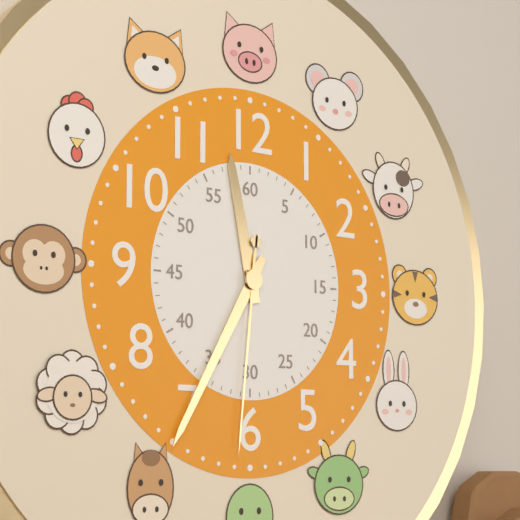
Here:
h=11 m=35 s=31
